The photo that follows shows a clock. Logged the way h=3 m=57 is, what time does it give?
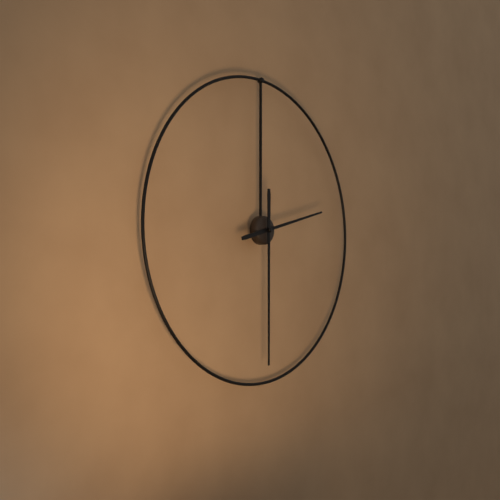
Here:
h=2 m=30
